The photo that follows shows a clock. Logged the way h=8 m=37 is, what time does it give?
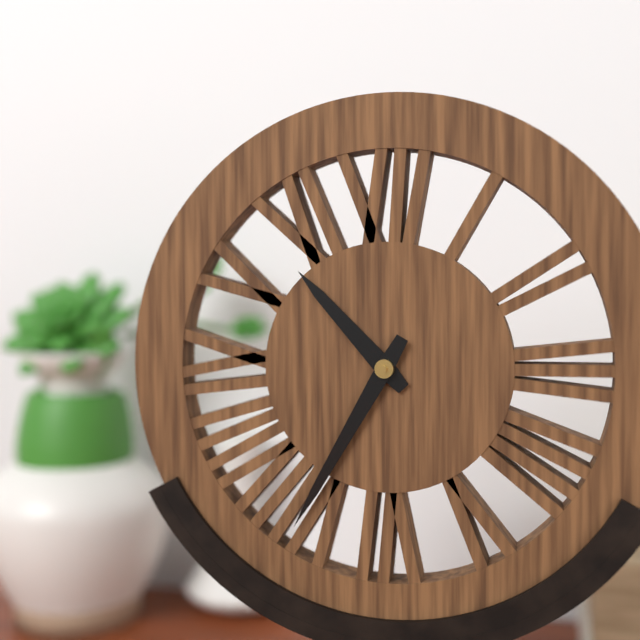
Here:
h=10 m=35
